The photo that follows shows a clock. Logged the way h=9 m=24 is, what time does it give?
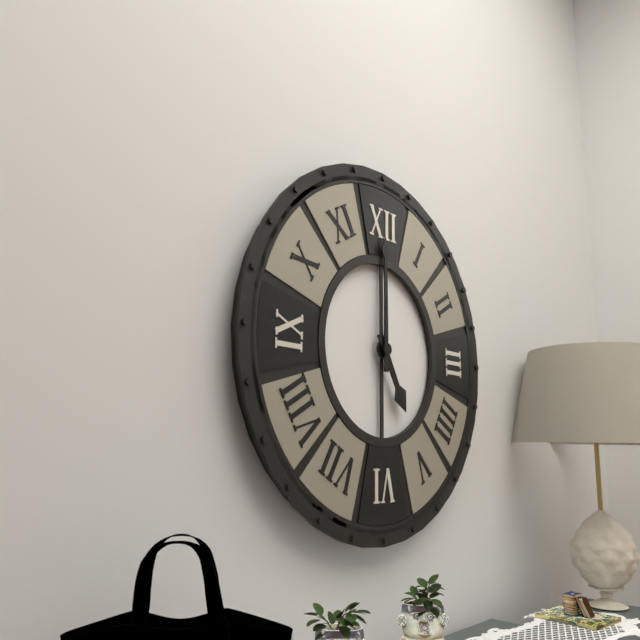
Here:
h=5 m=0
